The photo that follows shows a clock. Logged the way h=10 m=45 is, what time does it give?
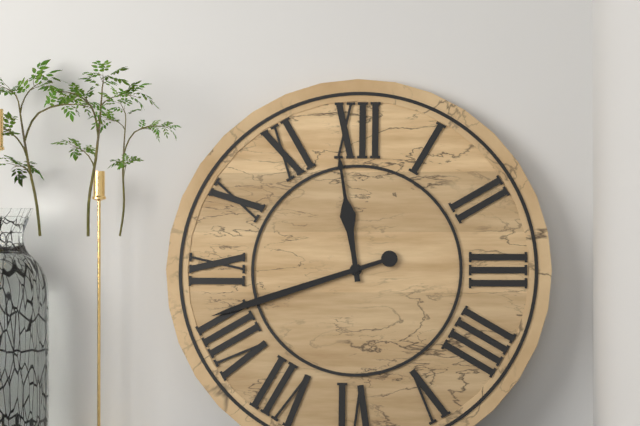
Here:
h=11 m=42
